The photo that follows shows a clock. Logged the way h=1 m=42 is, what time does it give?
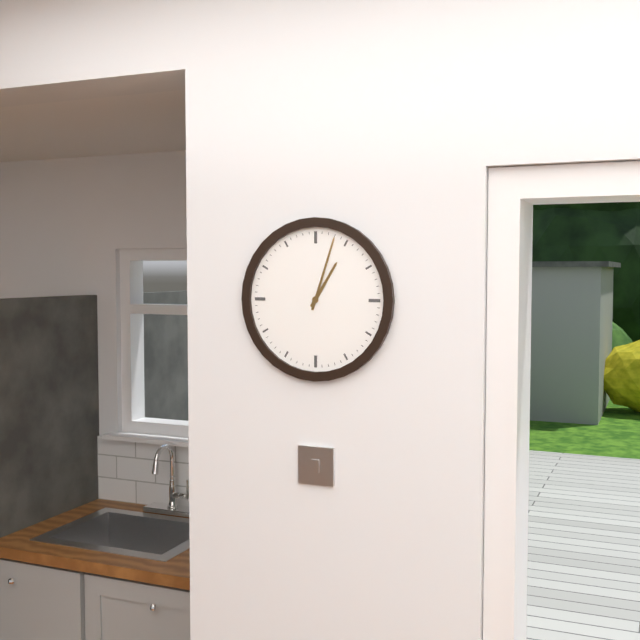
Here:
h=1 m=3
